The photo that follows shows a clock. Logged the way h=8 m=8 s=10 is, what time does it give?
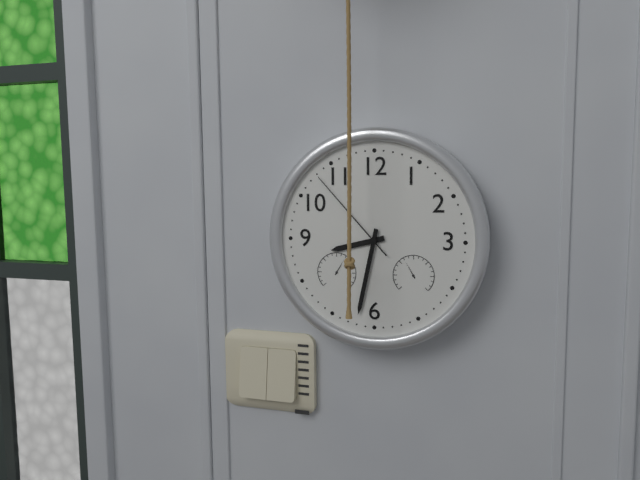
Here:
h=8 m=32 s=53
